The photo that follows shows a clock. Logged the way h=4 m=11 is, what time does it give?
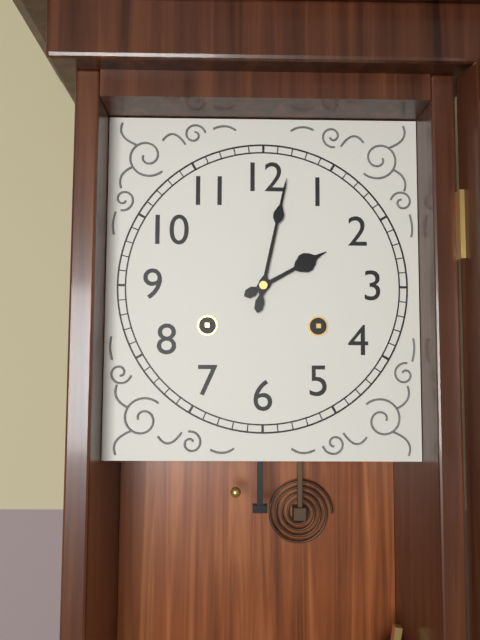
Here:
h=2 m=2
